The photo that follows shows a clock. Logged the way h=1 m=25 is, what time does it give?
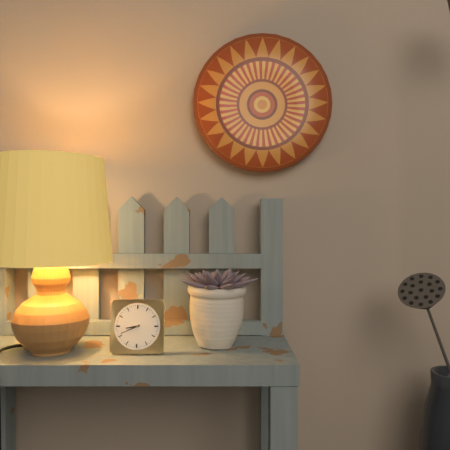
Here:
h=8 m=41
